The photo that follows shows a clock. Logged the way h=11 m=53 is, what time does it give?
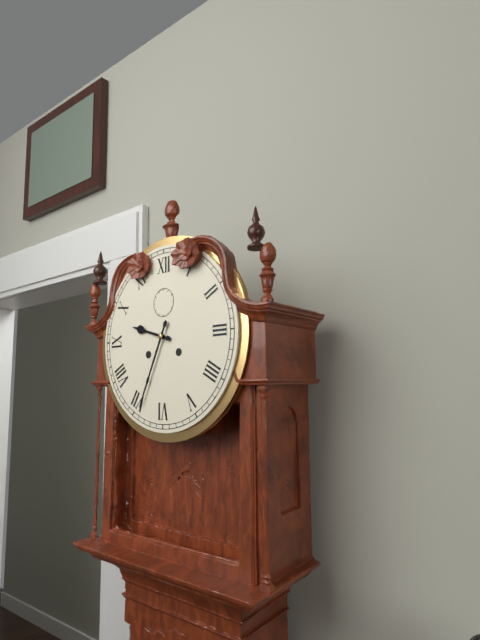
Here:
h=9 m=34
